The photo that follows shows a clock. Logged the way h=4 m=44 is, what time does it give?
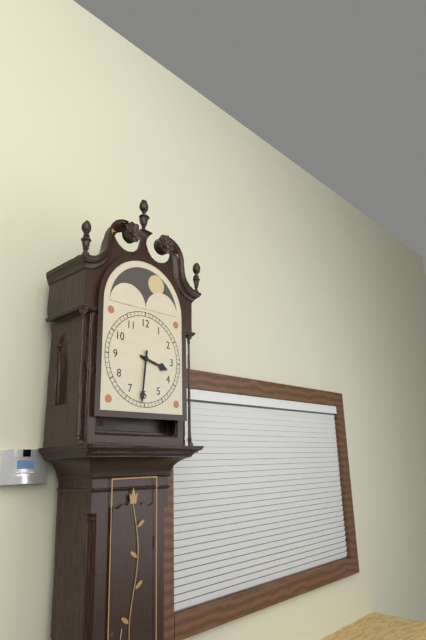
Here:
h=3 m=31
